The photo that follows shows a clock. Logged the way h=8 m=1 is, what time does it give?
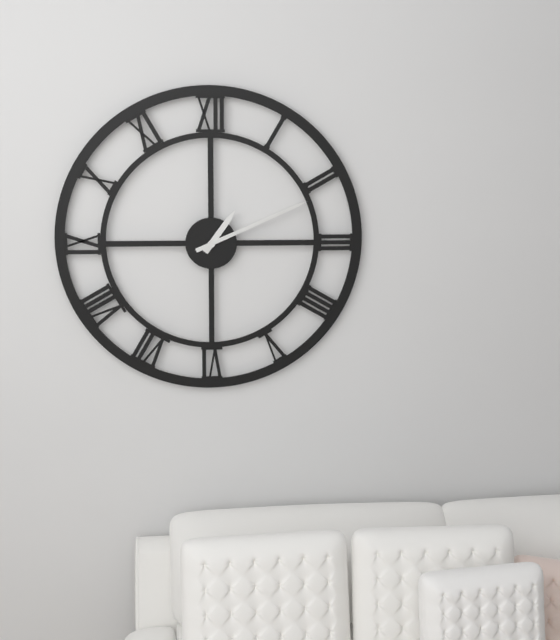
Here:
h=1 m=11
